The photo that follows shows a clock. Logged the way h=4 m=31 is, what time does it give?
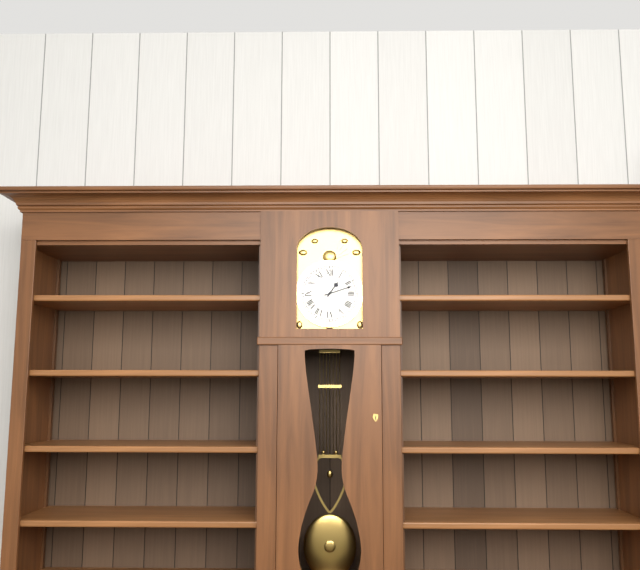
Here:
h=1 m=12
